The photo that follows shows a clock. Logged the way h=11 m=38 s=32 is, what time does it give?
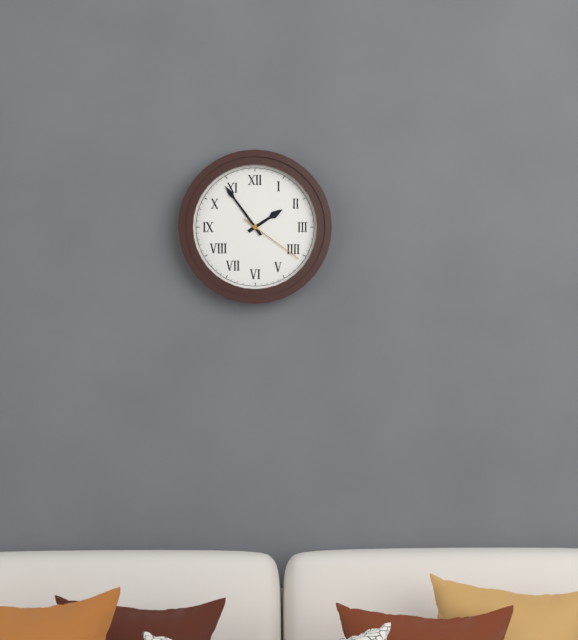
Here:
h=1 m=54 s=21
